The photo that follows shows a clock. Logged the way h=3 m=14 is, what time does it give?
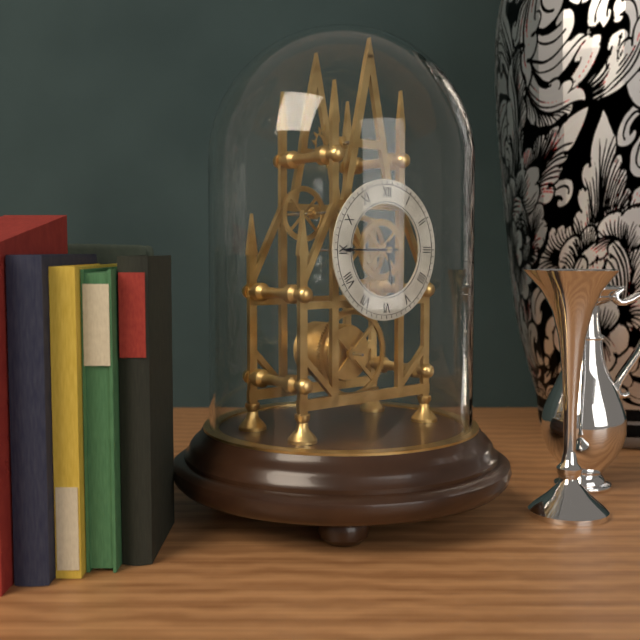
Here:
h=5 m=45
